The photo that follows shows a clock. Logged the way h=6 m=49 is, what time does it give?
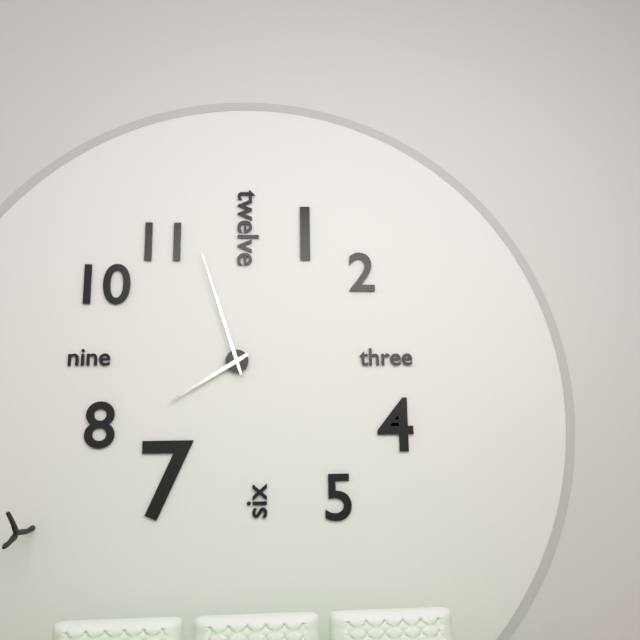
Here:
h=7 m=57
